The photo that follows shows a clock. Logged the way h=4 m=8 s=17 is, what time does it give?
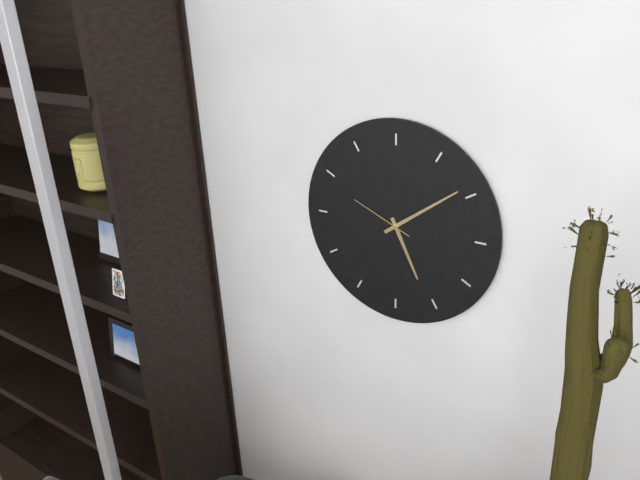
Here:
h=5 m=9 s=49
